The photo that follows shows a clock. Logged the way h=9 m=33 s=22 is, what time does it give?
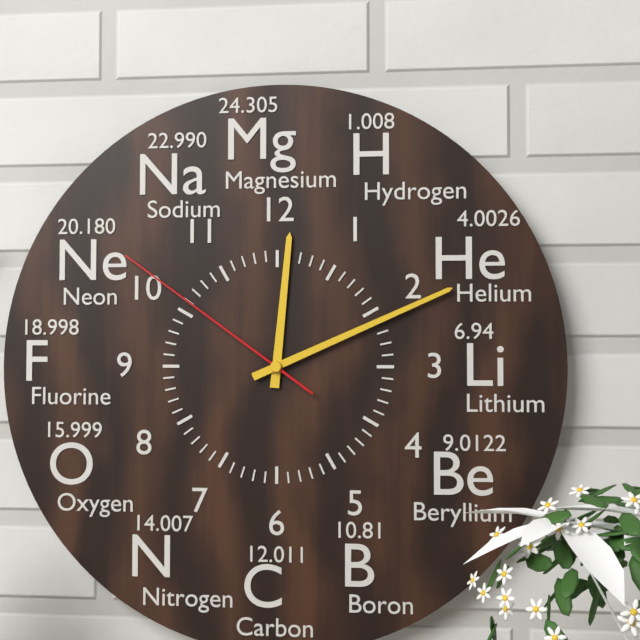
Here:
h=12 m=11 s=51
